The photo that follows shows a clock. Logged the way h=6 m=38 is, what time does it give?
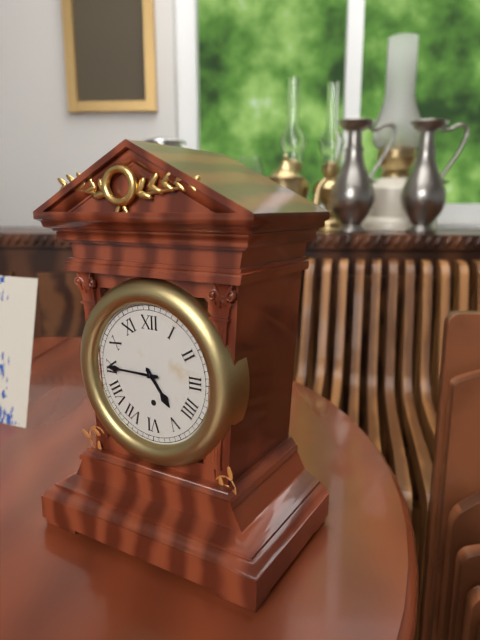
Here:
h=4 m=45
